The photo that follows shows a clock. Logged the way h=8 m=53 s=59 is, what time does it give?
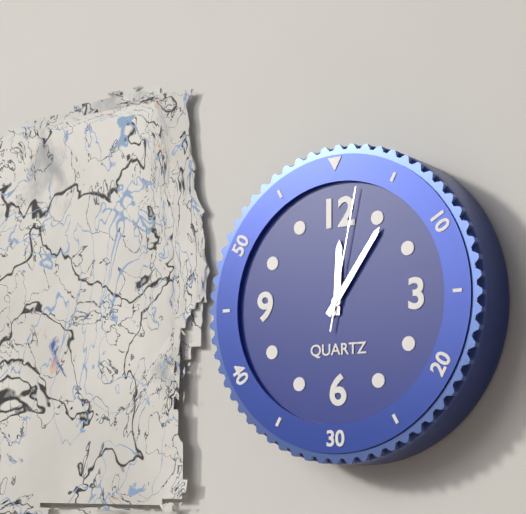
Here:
h=12 m=6 s=2
